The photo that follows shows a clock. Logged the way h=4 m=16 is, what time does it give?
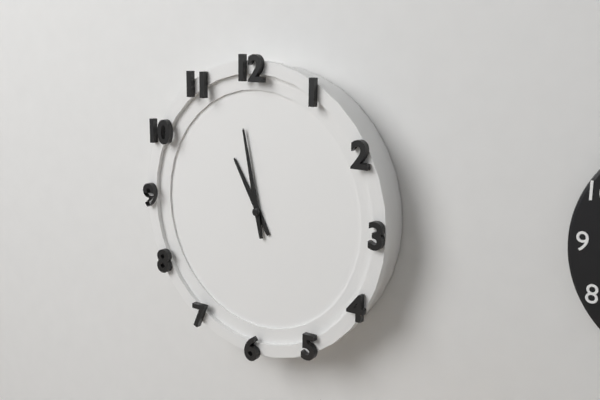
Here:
h=10 m=58
